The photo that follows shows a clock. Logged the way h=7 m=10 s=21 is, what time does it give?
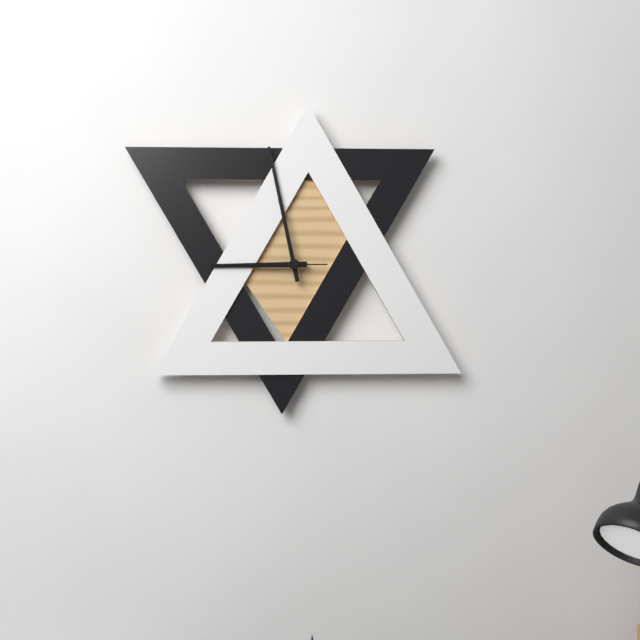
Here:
h=8 m=58 s=45
